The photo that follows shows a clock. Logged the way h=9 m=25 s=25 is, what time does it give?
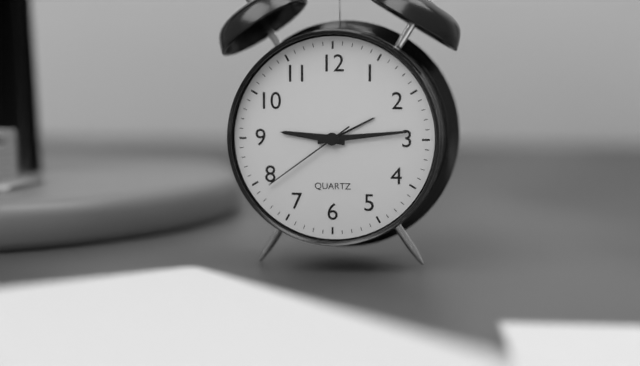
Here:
h=9 m=14 s=39
